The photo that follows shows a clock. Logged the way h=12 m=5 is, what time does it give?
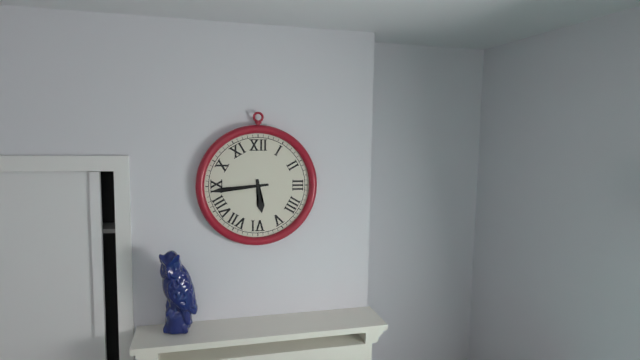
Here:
h=5 m=44
